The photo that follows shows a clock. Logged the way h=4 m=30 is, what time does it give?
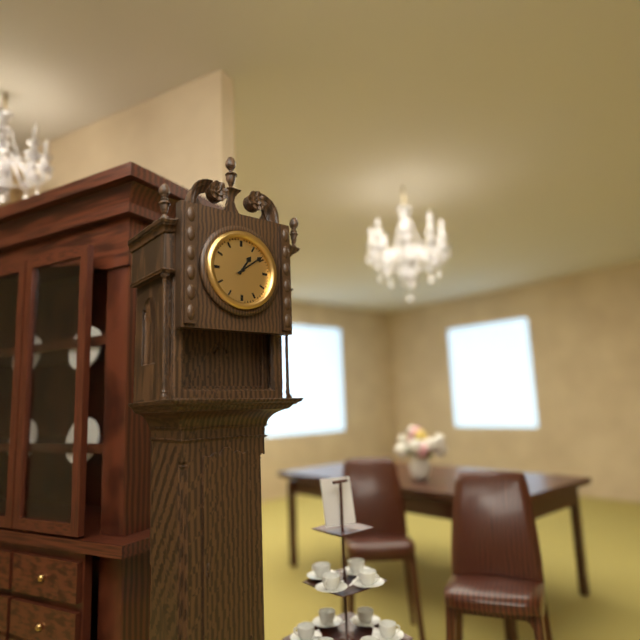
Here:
h=1 m=9
